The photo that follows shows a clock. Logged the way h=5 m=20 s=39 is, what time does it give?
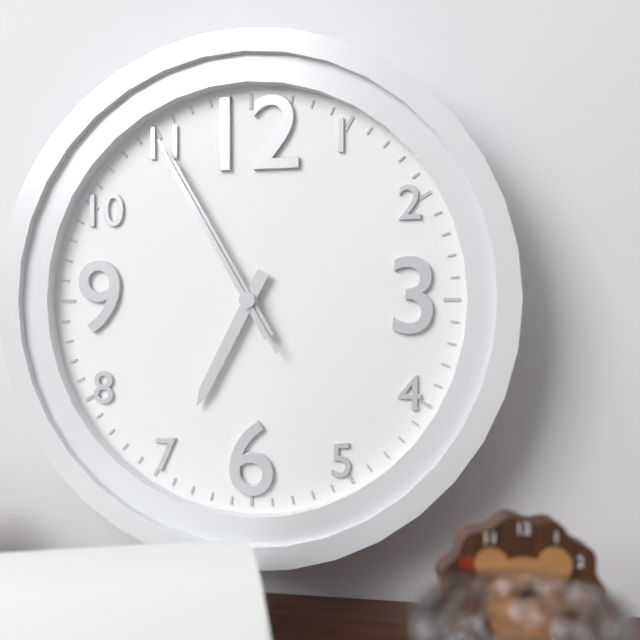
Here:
h=6 m=55 s=55
